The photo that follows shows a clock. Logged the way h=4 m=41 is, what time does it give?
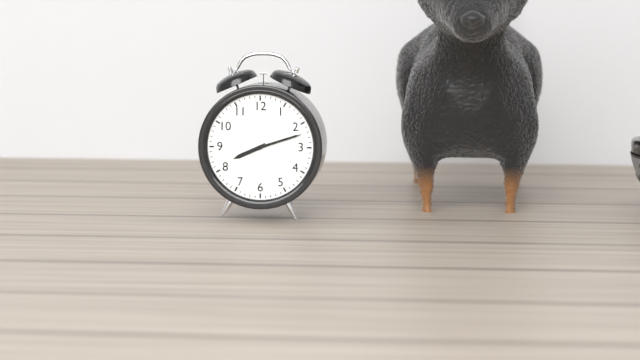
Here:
h=8 m=12
